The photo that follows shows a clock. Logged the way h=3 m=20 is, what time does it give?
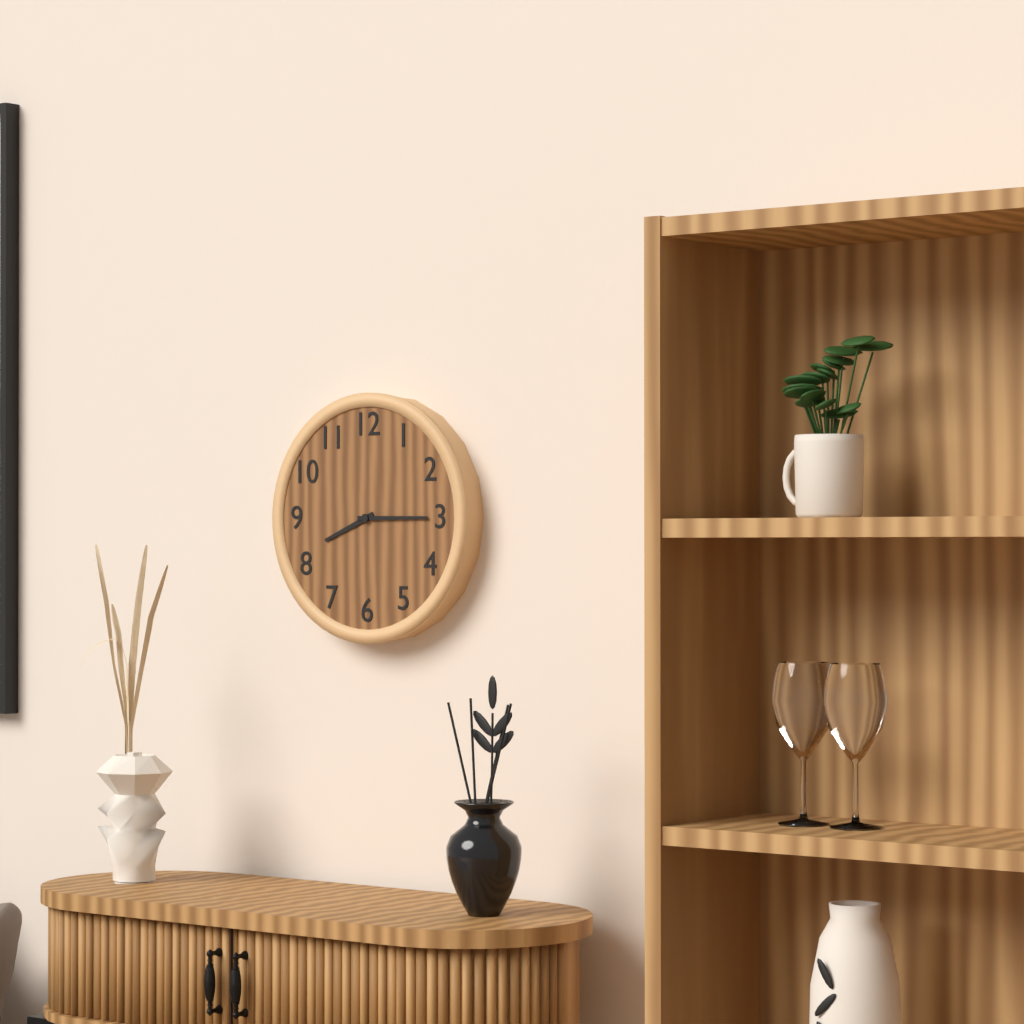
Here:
h=8 m=15
